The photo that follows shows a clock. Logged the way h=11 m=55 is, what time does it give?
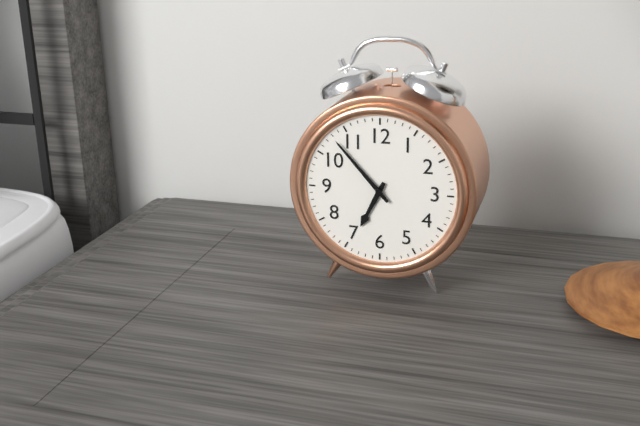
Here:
h=6 m=53
